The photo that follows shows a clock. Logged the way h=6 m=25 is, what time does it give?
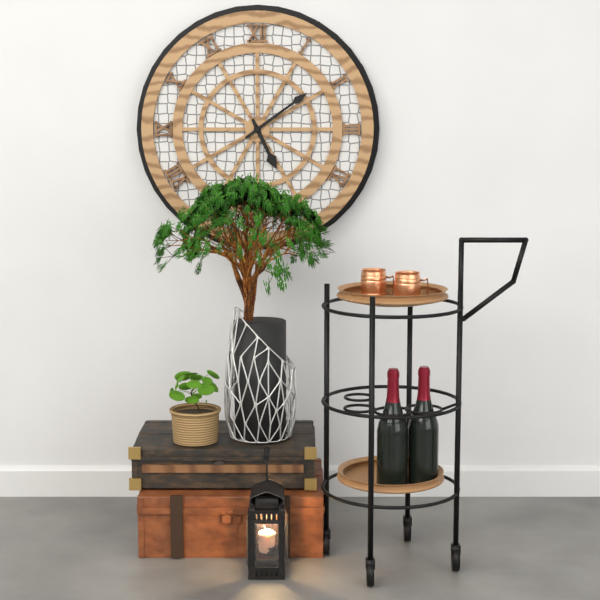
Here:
h=5 m=9
